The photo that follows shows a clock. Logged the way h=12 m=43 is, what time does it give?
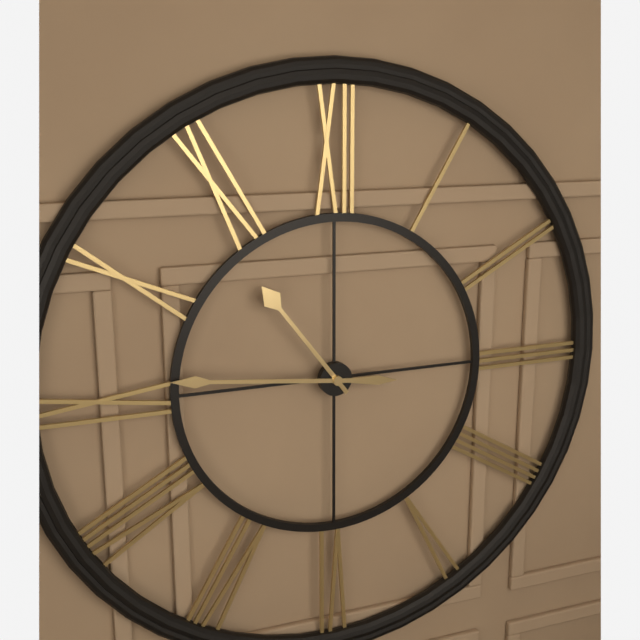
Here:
h=10 m=46
